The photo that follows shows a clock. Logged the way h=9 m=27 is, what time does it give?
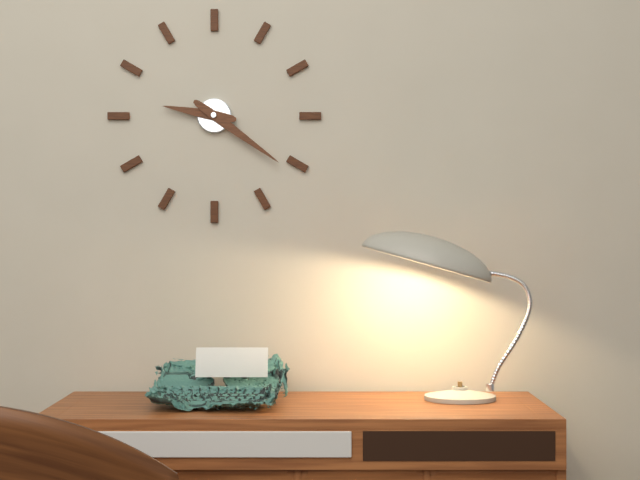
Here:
h=9 m=21
